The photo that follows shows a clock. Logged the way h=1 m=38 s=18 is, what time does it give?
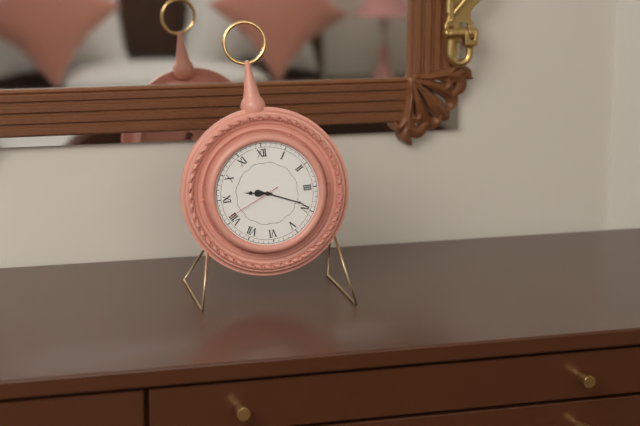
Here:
h=9 m=19 s=41
